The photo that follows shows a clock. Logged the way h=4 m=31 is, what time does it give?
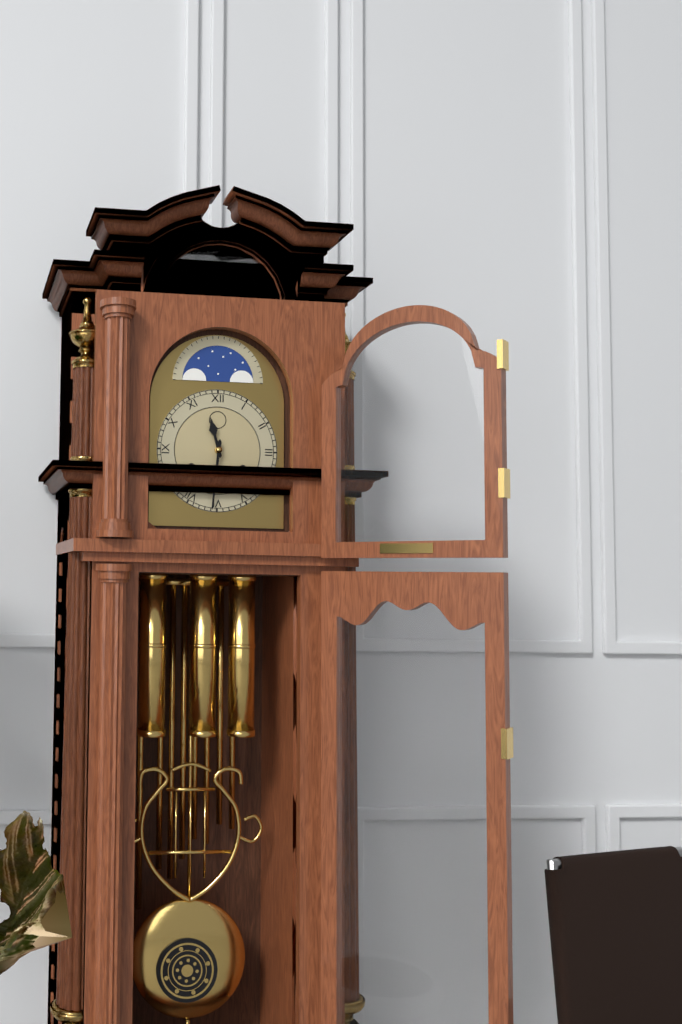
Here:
h=11 m=31
